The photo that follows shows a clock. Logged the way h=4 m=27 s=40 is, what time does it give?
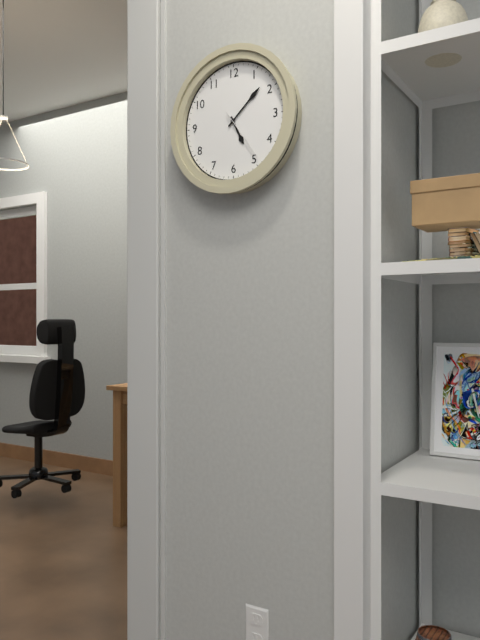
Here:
h=5 m=8 s=24
